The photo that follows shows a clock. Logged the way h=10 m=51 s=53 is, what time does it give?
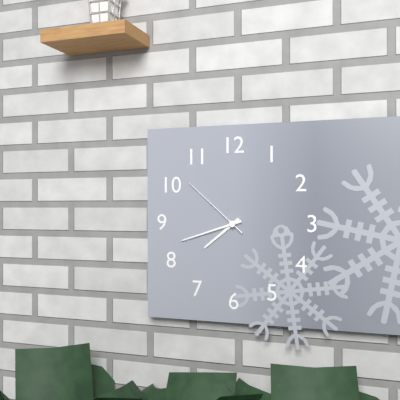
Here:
h=7 m=42 s=52
